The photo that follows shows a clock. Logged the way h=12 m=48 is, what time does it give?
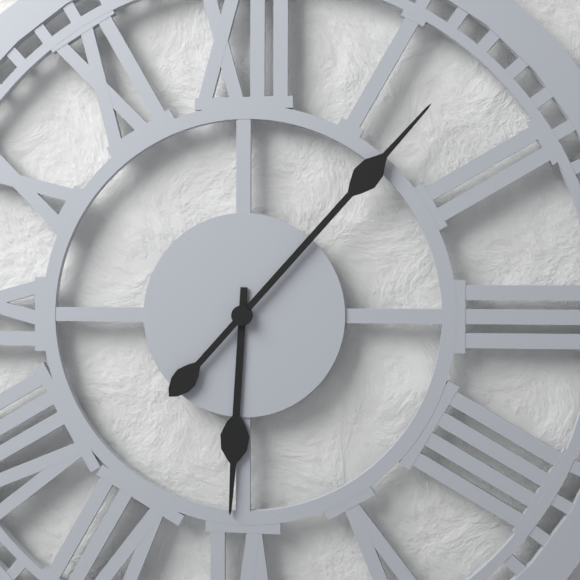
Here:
h=6 m=7
